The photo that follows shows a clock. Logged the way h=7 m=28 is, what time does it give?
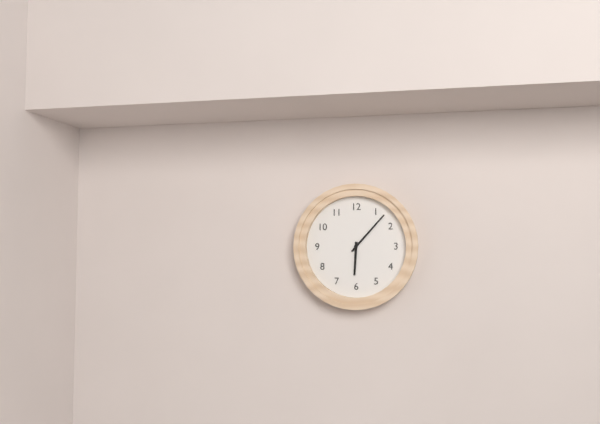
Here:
h=6 m=7
